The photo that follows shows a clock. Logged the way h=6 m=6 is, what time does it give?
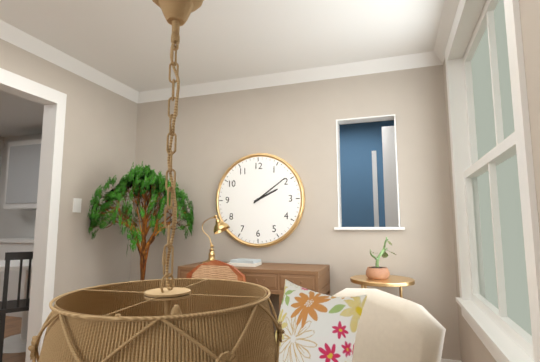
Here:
h=2 m=9
